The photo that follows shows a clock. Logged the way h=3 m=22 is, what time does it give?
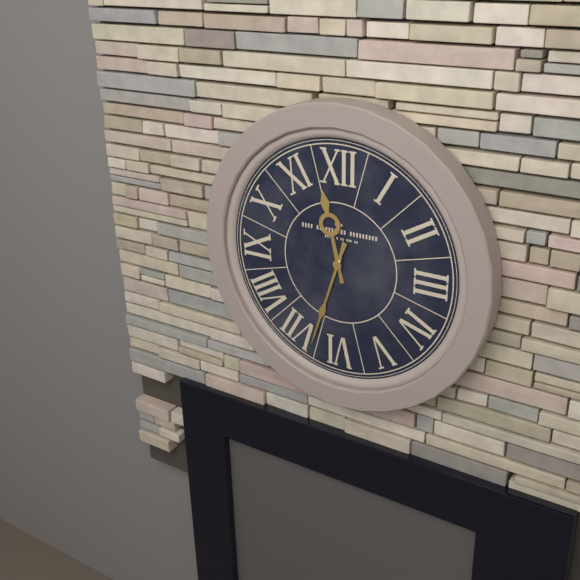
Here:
h=11 m=33
